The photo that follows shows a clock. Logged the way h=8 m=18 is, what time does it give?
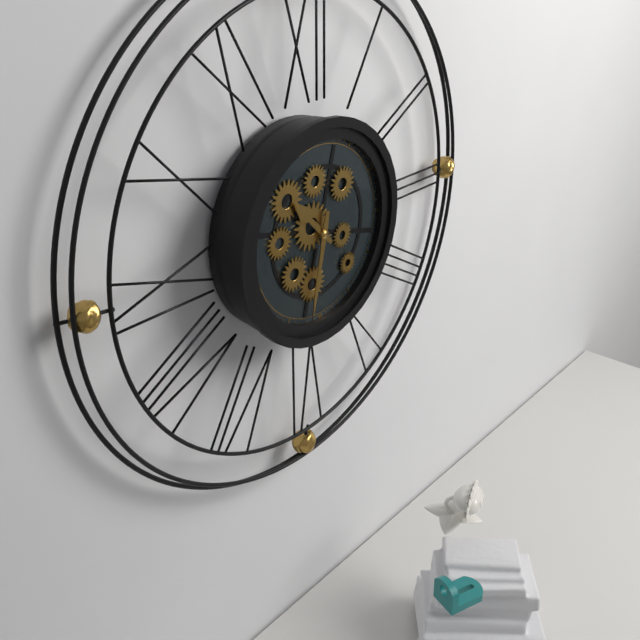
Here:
h=10 m=32
